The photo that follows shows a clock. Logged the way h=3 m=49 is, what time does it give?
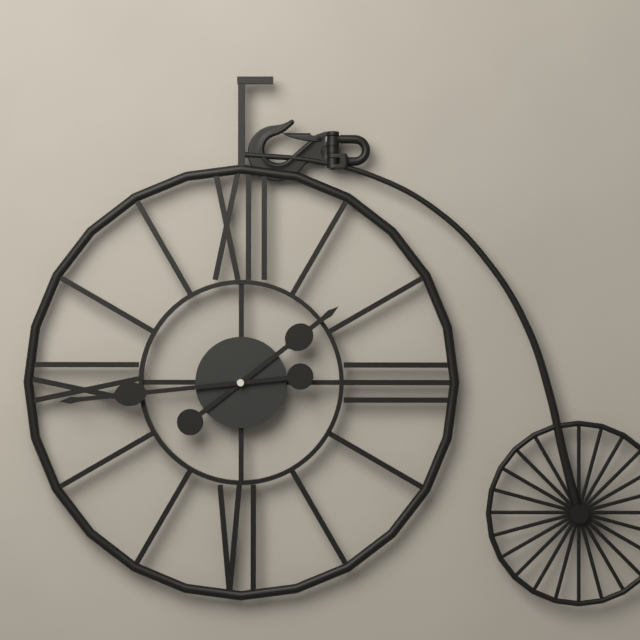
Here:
h=1 m=44
